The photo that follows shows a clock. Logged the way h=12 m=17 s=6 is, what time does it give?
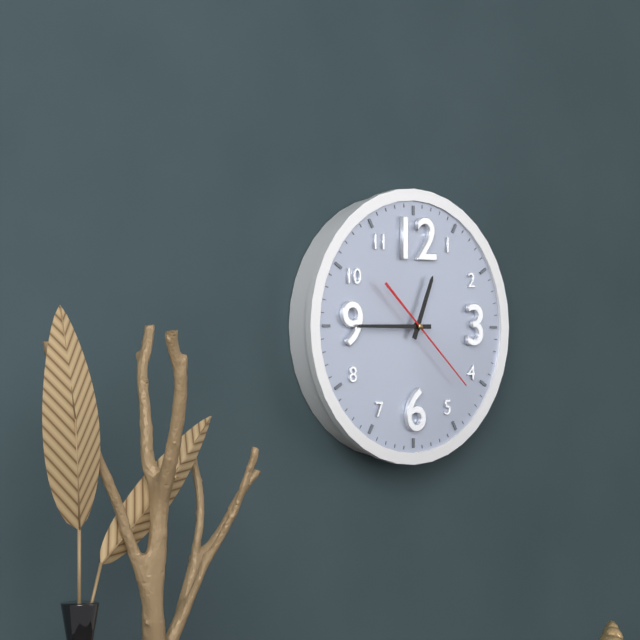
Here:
h=12 m=45 s=22
